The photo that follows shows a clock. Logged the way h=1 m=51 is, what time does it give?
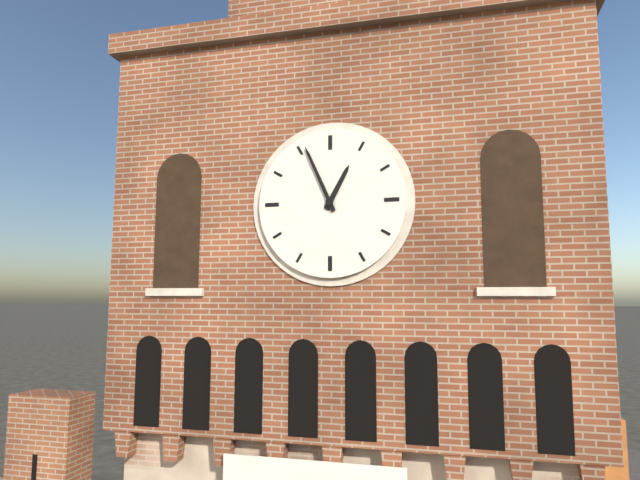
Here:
h=12 m=56
